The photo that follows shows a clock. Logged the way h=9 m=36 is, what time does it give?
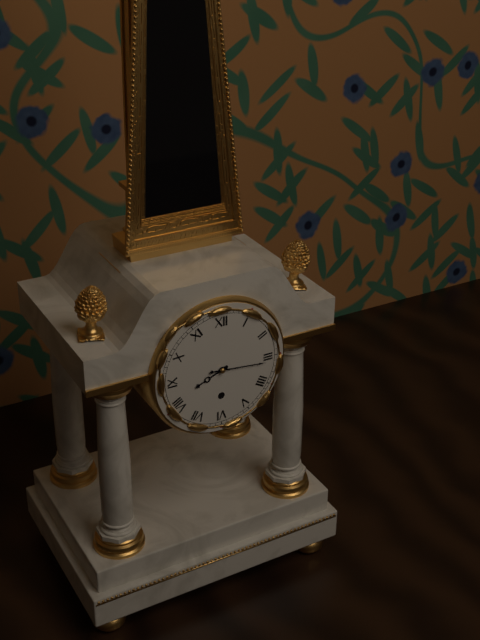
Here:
h=8 m=16
